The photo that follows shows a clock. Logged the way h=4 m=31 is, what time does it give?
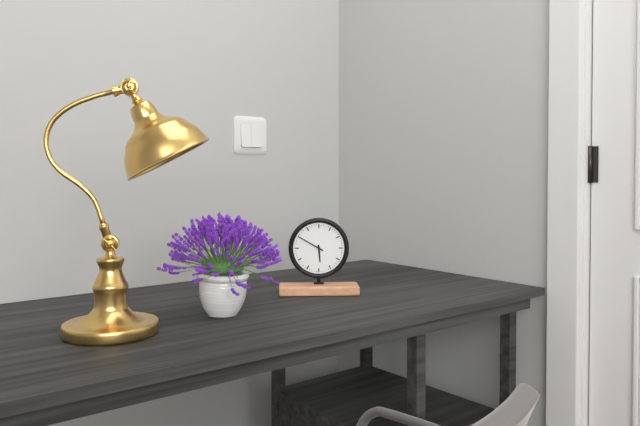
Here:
h=5 m=50
